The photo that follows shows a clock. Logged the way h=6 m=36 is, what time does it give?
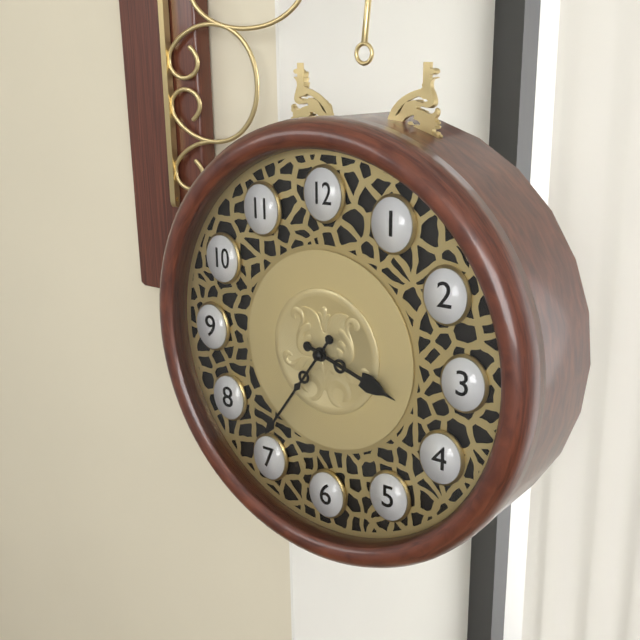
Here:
h=3 m=36
